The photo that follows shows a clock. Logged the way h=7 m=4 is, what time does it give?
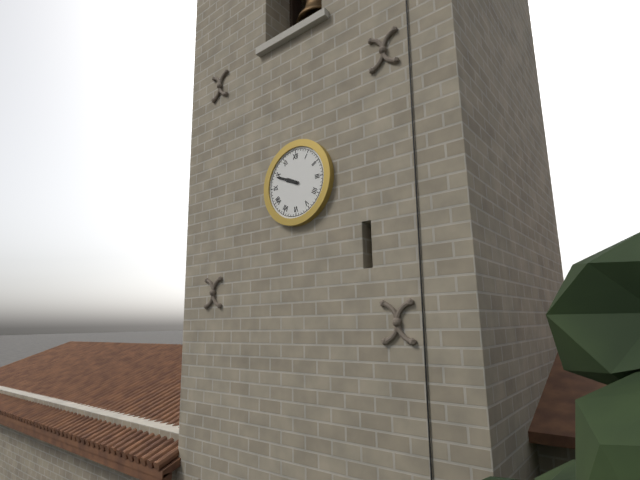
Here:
h=9 m=49
